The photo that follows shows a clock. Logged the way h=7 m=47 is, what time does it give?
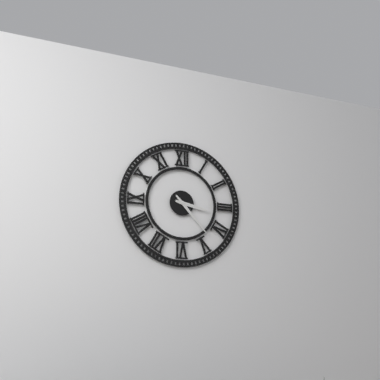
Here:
h=3 m=23
